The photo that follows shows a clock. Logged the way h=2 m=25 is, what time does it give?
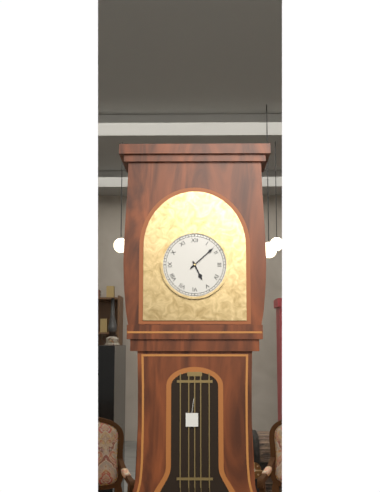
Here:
h=5 m=8
